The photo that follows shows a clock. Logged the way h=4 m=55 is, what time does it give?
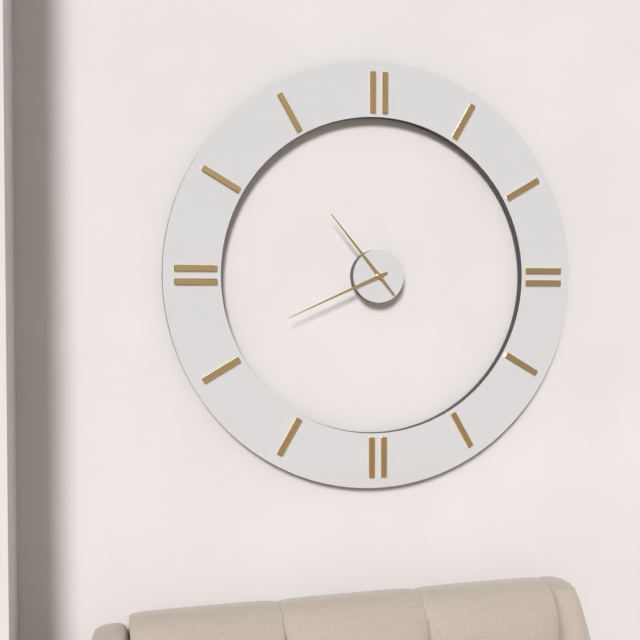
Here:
h=10 m=41
